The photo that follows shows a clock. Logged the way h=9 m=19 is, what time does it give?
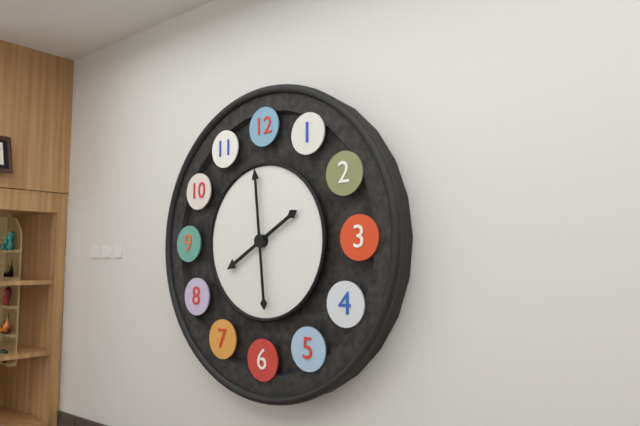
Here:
h=7 m=59
